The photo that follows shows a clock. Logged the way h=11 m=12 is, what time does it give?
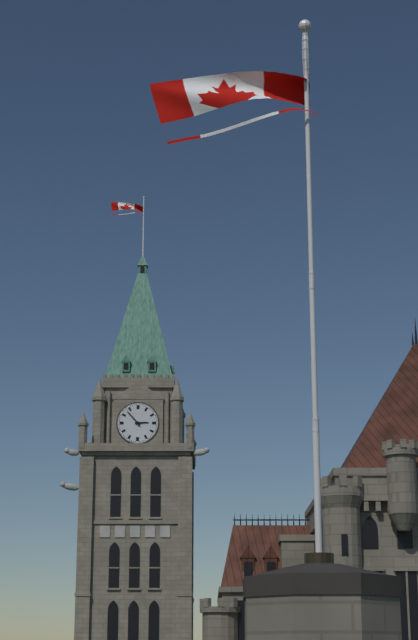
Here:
h=2 m=53
